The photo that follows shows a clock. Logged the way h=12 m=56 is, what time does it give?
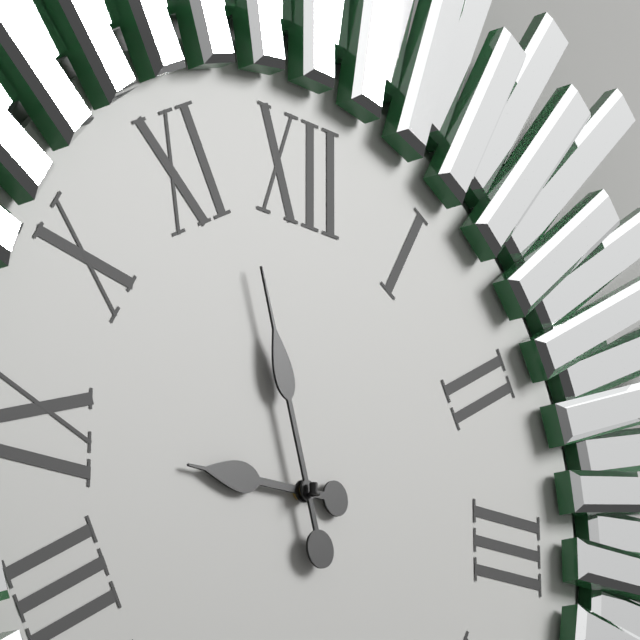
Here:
h=8 m=57
